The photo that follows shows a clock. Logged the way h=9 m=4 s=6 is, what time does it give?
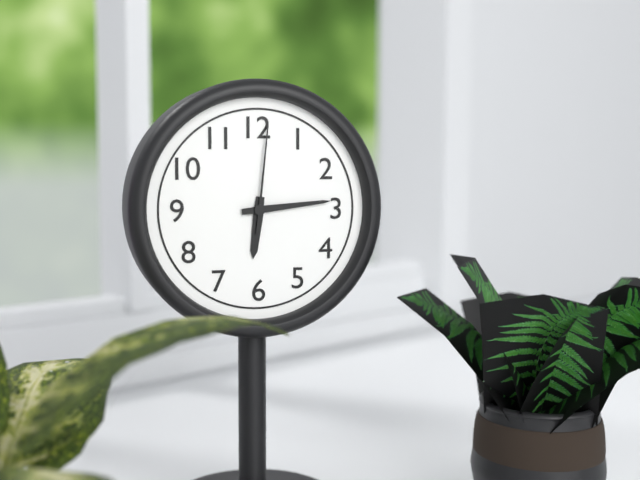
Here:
h=6 m=14 s=1
